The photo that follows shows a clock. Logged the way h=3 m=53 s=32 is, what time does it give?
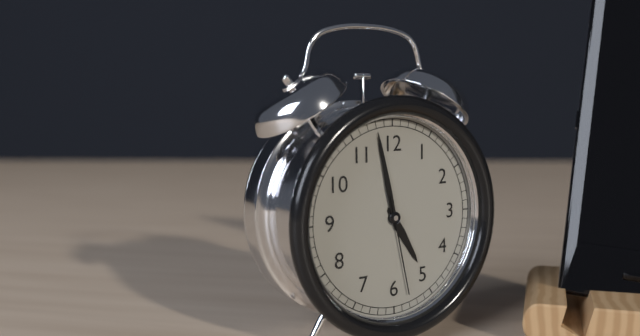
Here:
h=4 m=58 s=28
